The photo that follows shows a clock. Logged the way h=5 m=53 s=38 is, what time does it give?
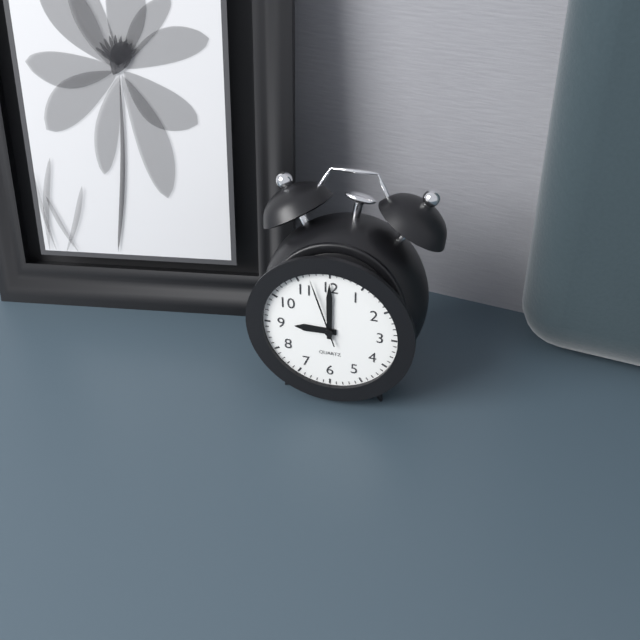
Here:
h=9 m=0 s=57
